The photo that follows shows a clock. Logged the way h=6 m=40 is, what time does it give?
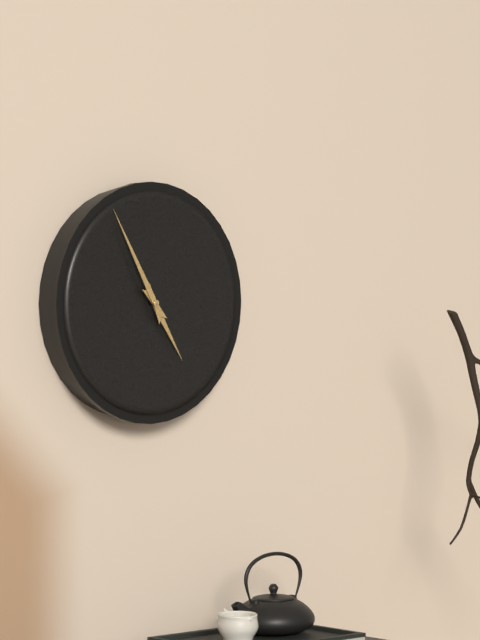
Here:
h=4 m=55
